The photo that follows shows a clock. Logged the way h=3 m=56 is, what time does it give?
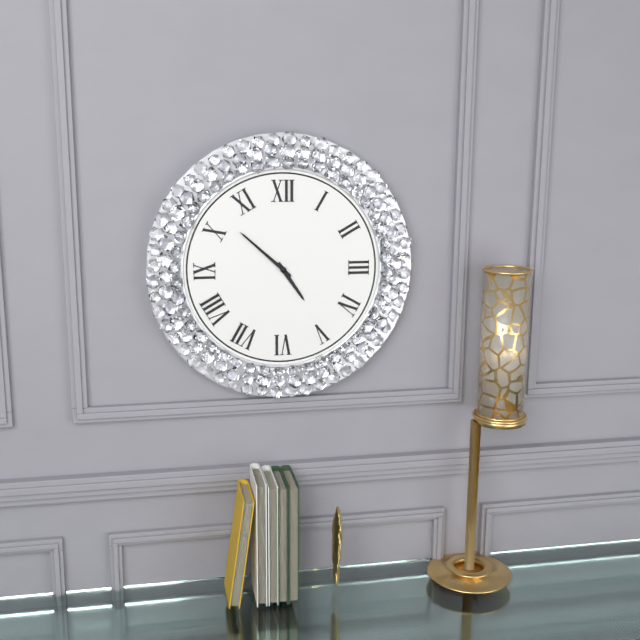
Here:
h=4 m=52
